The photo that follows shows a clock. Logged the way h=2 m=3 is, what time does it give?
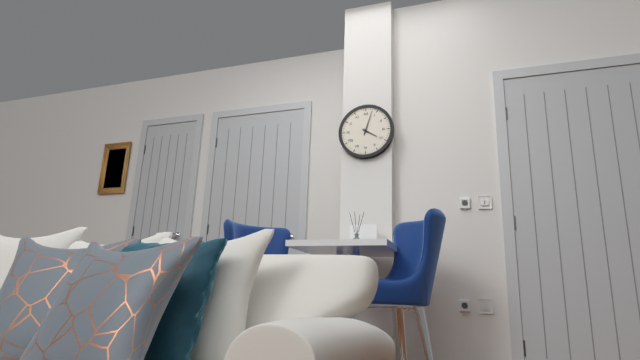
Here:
h=4 m=3
